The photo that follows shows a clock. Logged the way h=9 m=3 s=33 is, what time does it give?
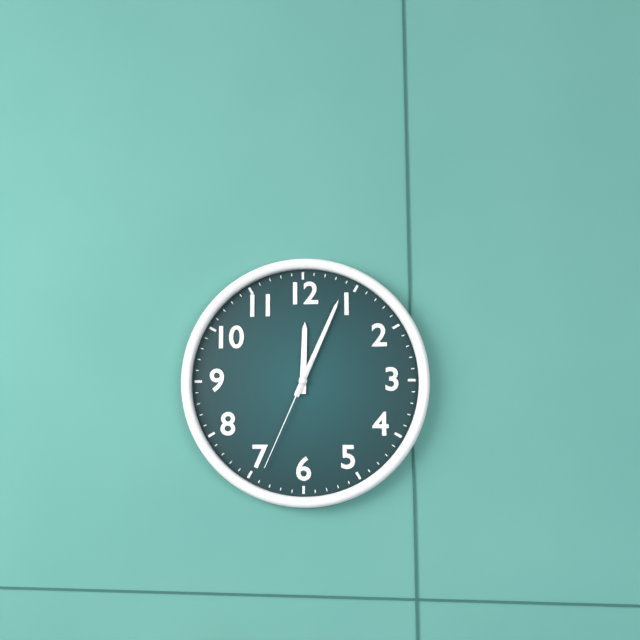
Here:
h=12 m=4 s=34
